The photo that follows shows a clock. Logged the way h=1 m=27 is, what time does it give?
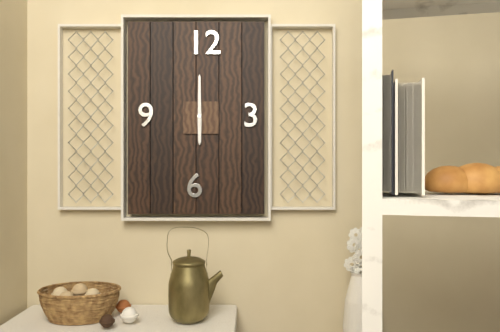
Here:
h=6 m=0
